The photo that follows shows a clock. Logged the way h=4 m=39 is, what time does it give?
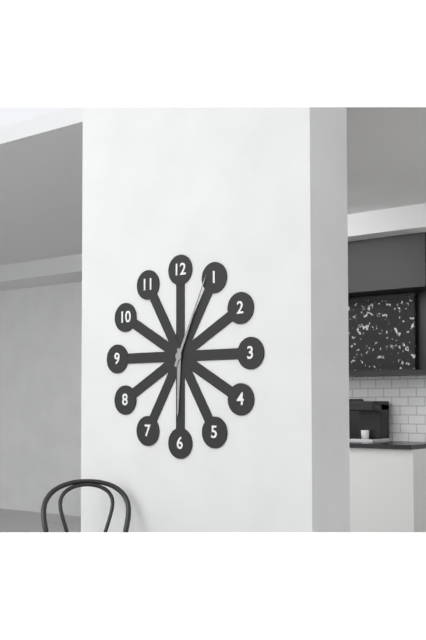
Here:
h=6 m=4
